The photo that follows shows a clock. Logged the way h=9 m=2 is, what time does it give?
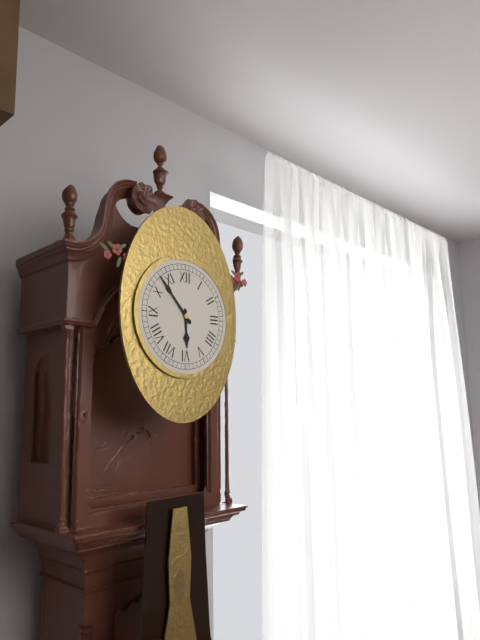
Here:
h=5 m=53
